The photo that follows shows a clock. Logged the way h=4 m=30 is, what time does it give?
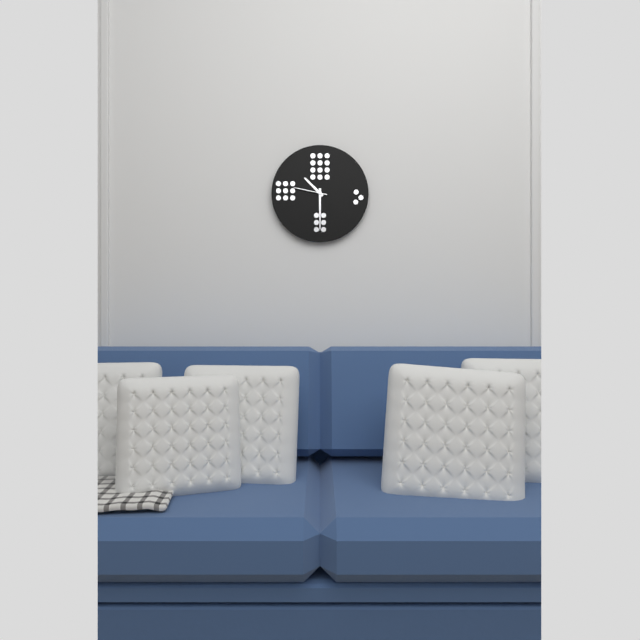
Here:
h=10 m=30
